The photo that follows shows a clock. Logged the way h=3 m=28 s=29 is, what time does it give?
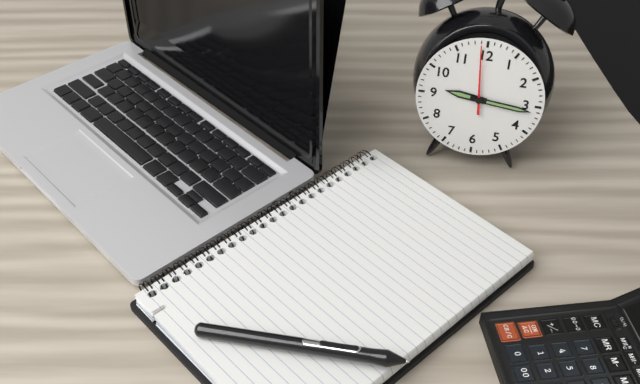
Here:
h=9 m=16 s=59
